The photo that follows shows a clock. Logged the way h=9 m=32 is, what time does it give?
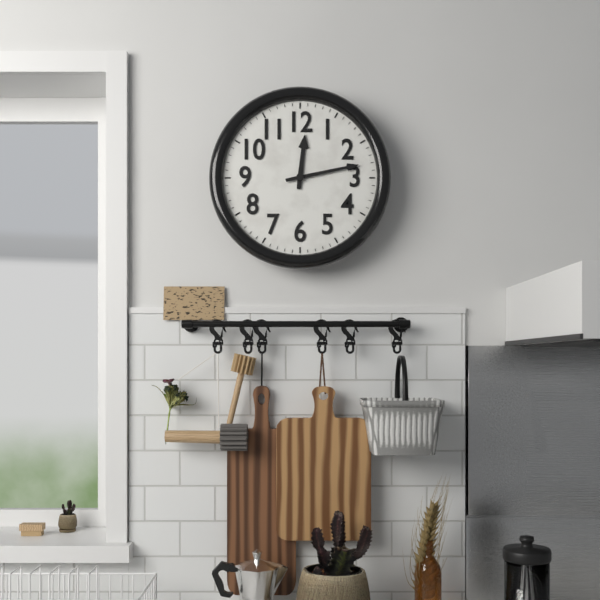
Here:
h=12 m=13
